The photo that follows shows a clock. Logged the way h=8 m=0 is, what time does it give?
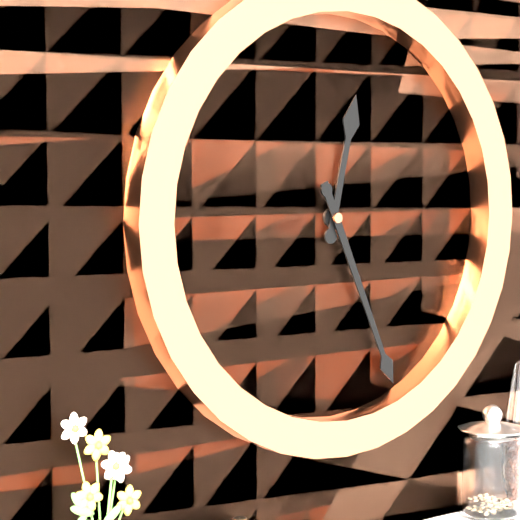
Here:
h=12 m=26
